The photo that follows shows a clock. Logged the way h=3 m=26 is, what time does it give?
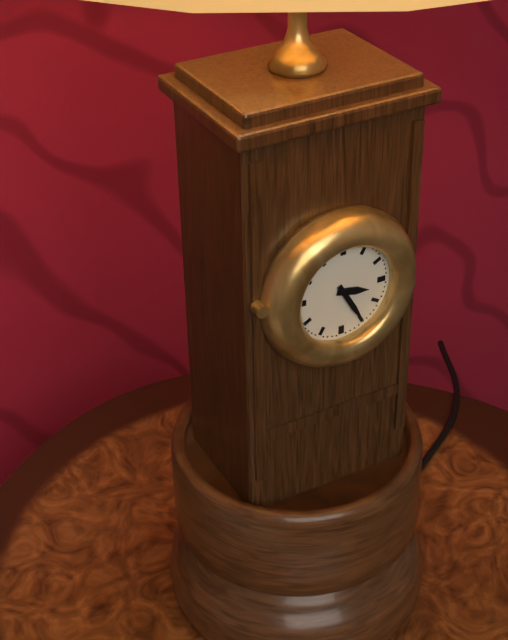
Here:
h=3 m=25
